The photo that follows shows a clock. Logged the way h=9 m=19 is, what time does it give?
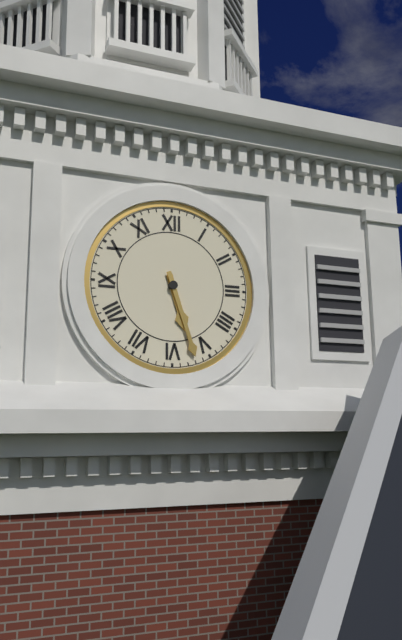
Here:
h=5 m=27
